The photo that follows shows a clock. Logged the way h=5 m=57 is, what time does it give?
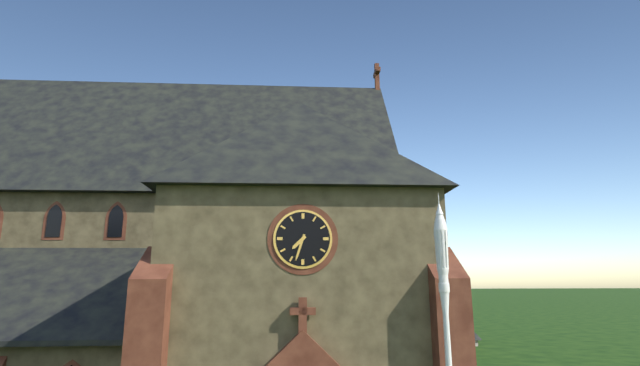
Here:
h=7 m=33
